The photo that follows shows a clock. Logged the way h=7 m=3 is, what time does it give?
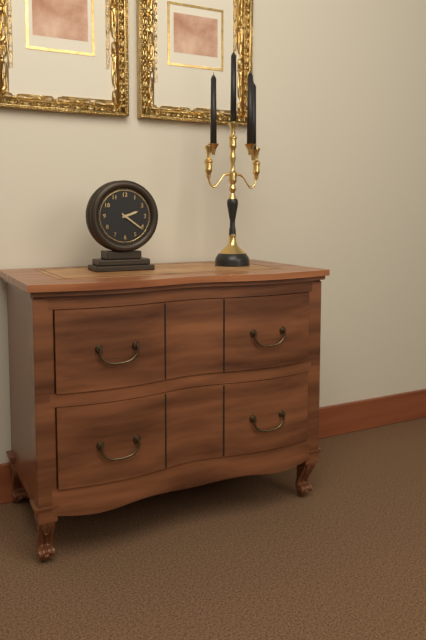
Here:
h=2 m=21
